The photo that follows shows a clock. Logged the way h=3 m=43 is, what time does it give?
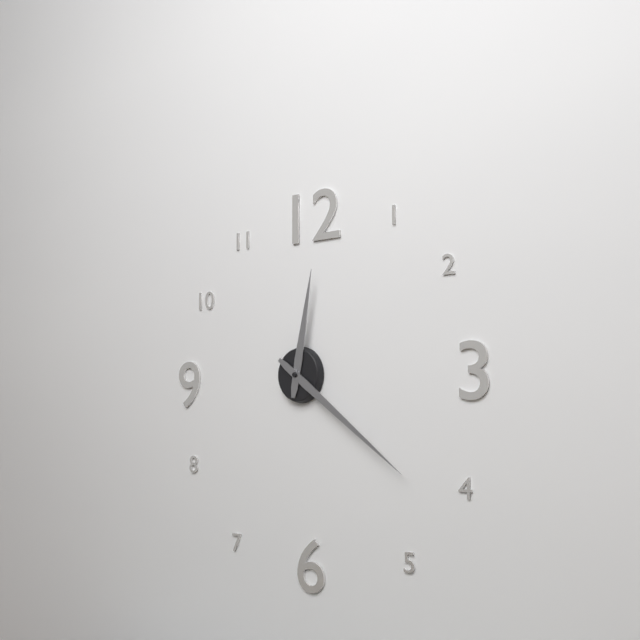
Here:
h=12 m=21
